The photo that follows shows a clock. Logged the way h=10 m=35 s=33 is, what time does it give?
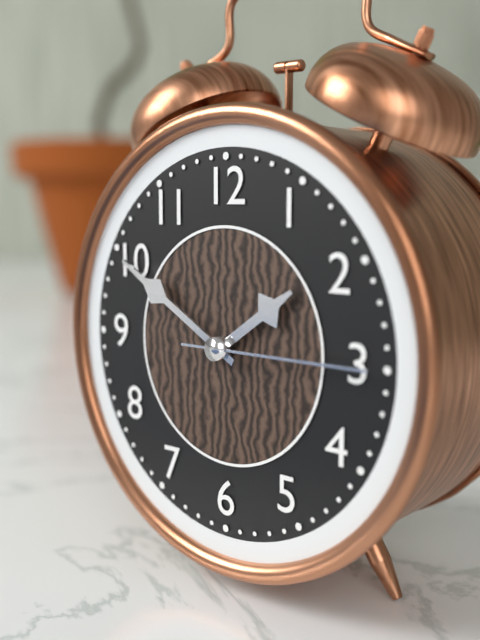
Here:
h=1 m=50 s=15
